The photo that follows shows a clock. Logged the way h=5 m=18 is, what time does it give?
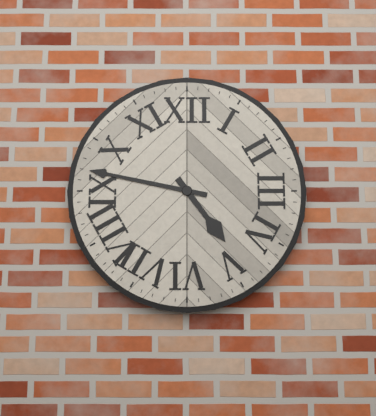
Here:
h=4 m=47
